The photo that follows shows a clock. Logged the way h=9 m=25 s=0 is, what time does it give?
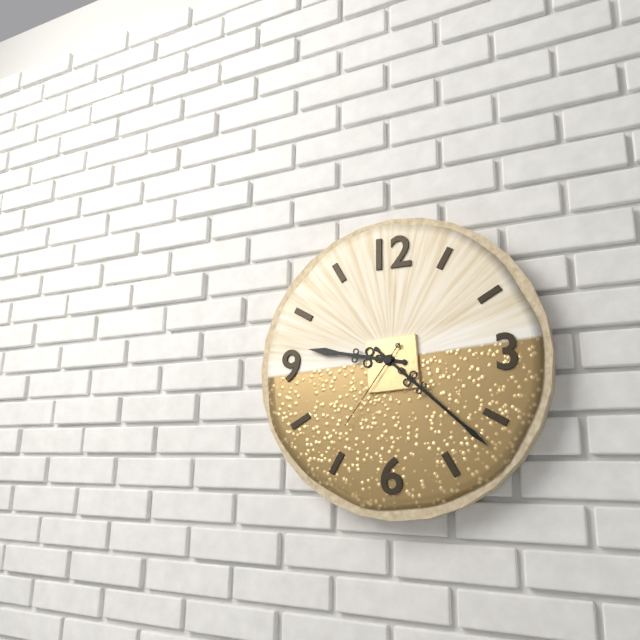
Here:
h=9 m=22 s=36
